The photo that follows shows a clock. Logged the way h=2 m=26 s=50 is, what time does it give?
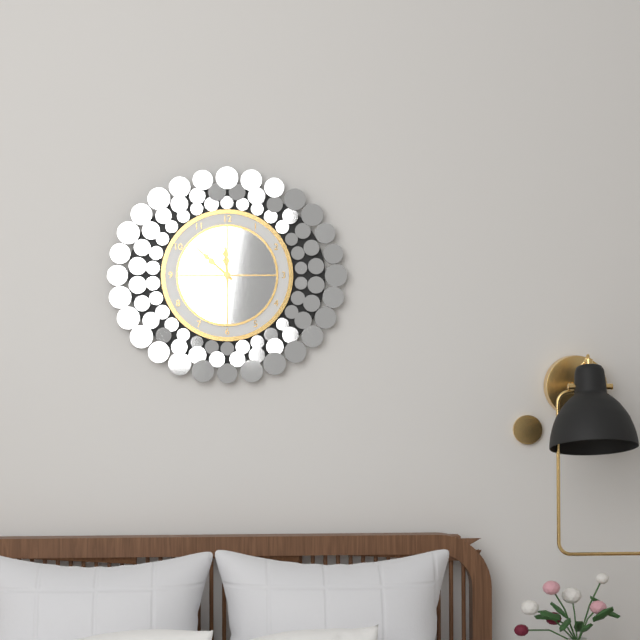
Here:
h=11 m=52 s=59
